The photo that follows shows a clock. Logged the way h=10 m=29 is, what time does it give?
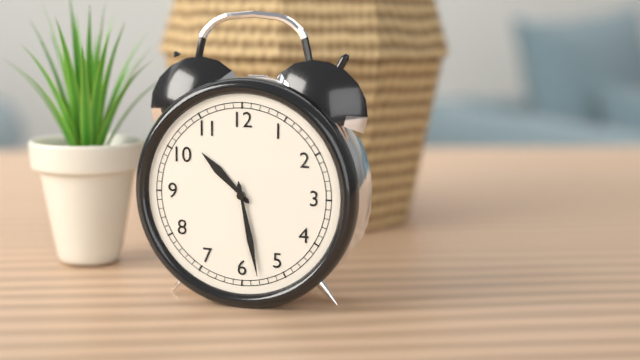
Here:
h=10 m=28
